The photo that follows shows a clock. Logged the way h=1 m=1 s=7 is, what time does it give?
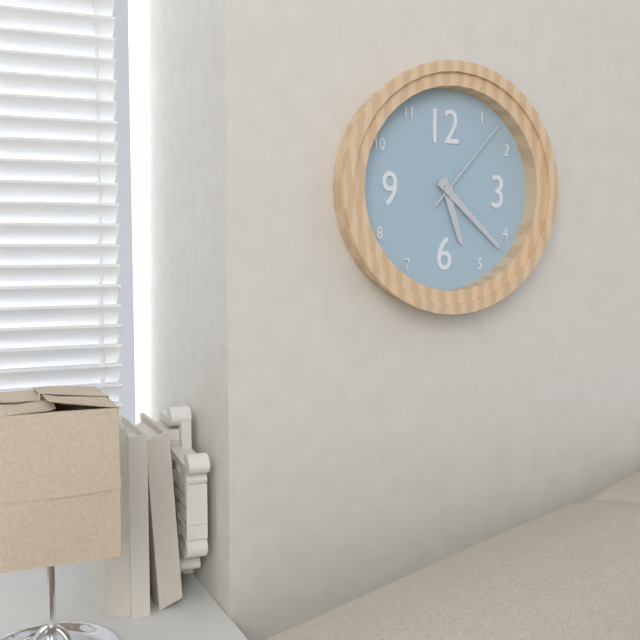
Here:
h=5 m=22 s=7
